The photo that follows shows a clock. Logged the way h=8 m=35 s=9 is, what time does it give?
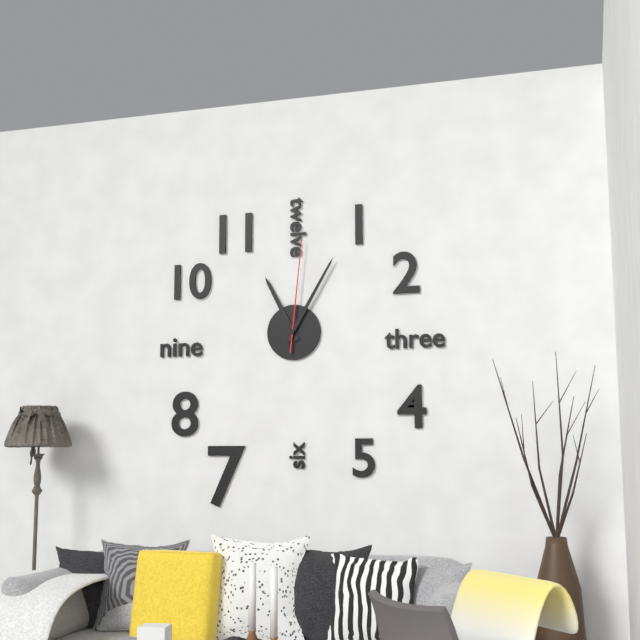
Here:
h=11 m=5 s=1
